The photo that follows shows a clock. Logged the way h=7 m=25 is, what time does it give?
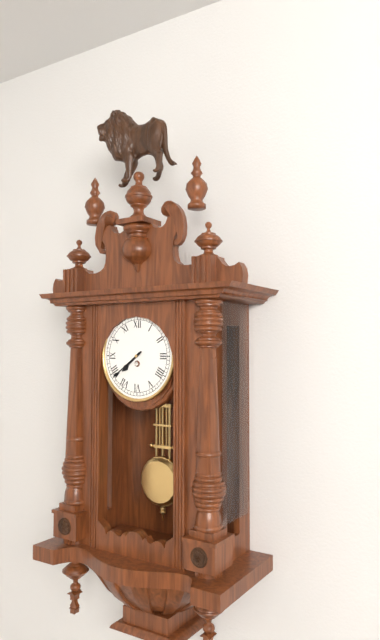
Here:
h=7 m=39
